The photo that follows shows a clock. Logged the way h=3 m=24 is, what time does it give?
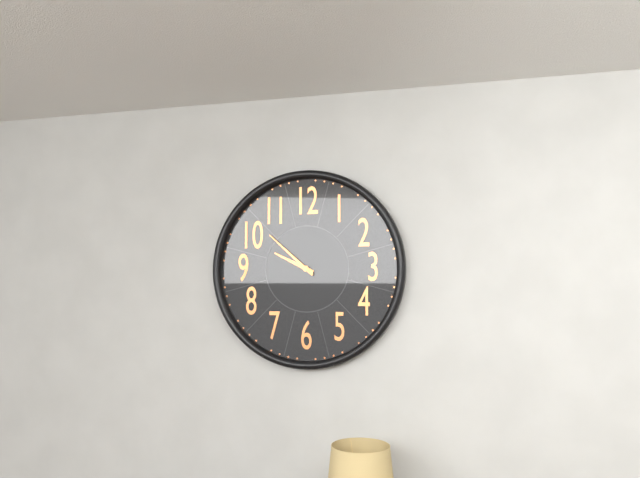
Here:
h=9 m=52
